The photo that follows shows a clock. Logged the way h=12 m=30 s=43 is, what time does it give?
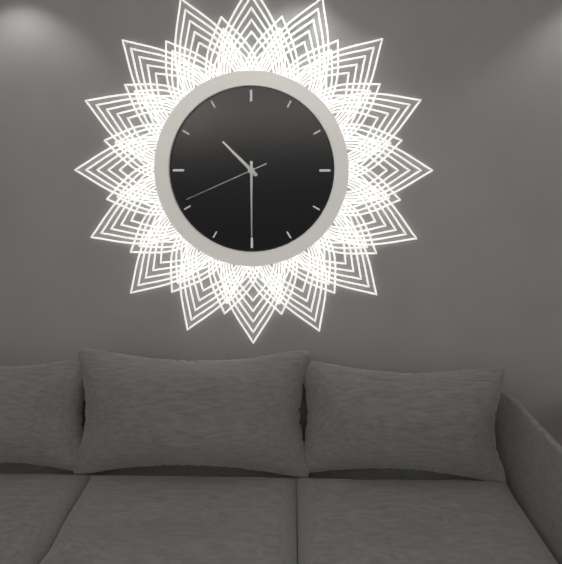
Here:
h=10 m=30 s=41
